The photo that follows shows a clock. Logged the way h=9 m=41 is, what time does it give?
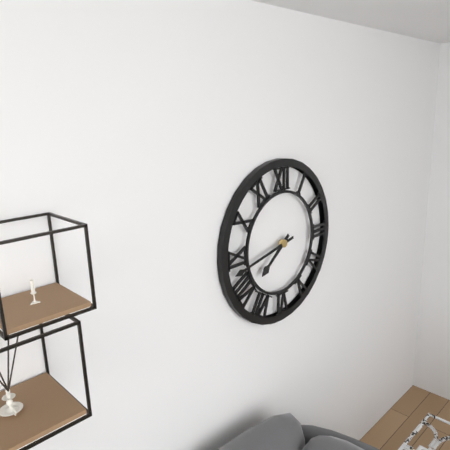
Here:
h=7 m=43
